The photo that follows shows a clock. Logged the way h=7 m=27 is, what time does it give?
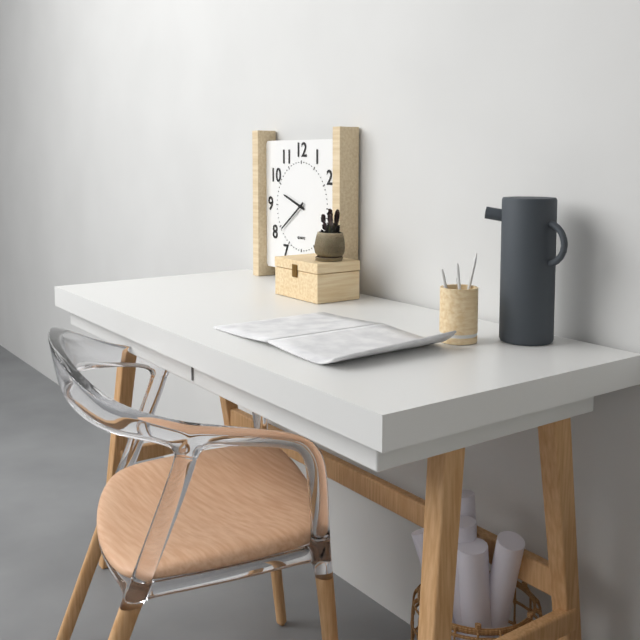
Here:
h=9 m=39
